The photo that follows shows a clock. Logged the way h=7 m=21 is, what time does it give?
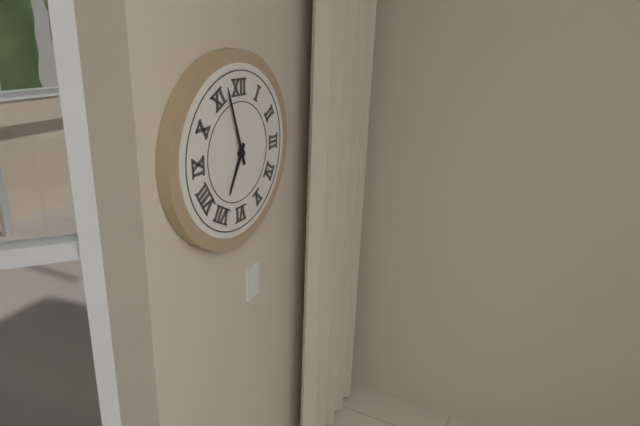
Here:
h=6 m=57
